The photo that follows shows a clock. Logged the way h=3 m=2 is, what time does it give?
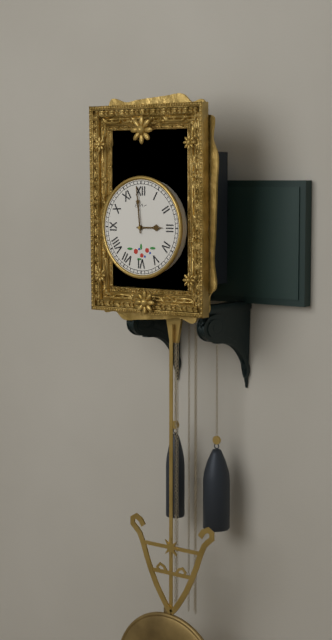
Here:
h=2 m=59
